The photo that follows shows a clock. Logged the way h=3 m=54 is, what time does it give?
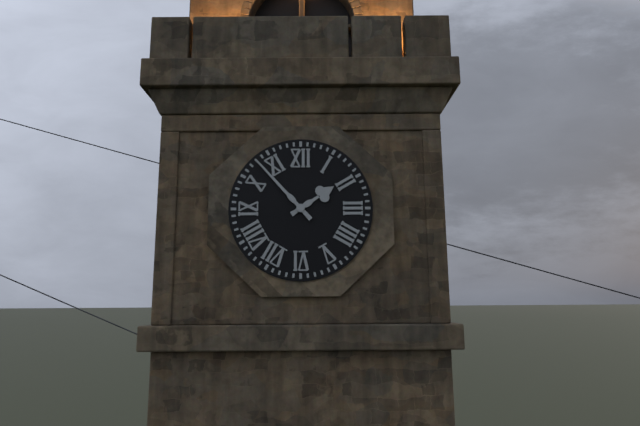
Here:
h=1 m=53
